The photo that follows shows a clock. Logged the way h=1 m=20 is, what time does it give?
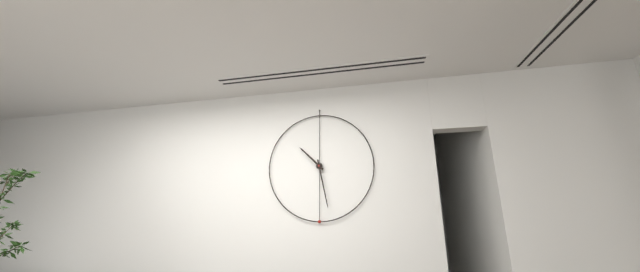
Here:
h=10 m=28
